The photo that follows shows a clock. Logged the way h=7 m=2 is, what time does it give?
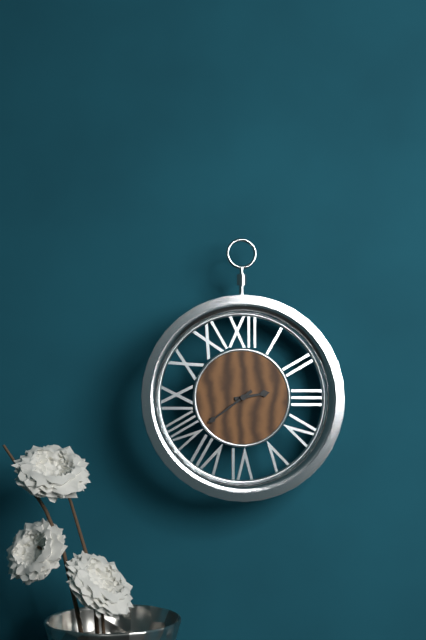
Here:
h=2 m=39
